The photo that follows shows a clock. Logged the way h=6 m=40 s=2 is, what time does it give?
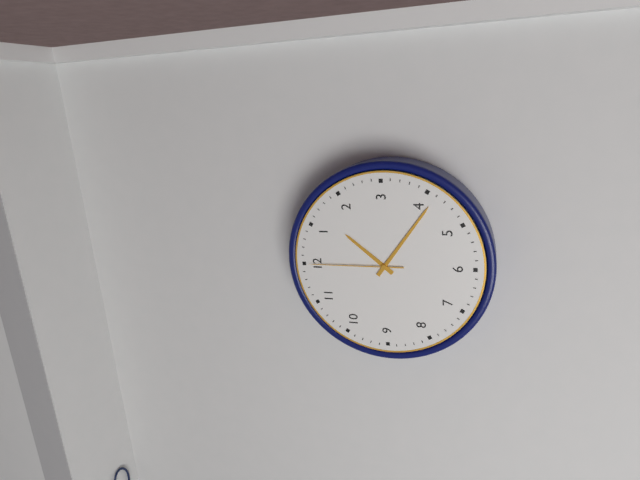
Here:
h=1 m=21 s=0
